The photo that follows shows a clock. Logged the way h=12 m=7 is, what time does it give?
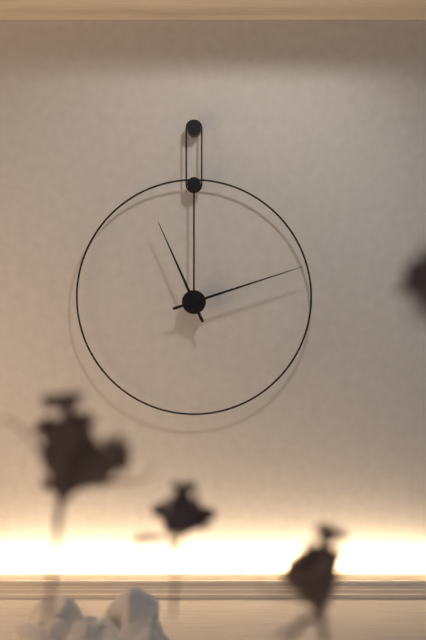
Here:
h=11 m=12
